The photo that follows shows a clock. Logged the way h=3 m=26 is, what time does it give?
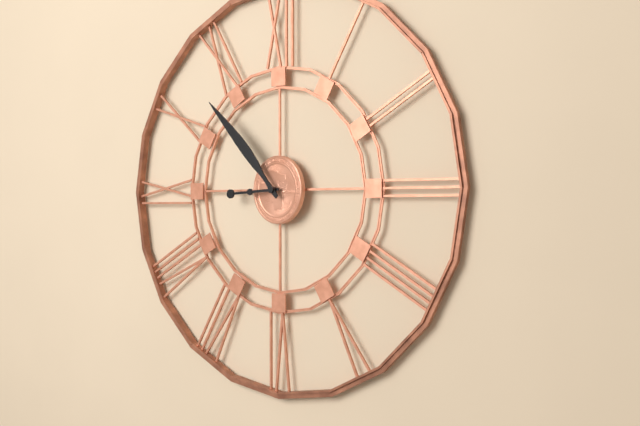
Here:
h=8 m=53
